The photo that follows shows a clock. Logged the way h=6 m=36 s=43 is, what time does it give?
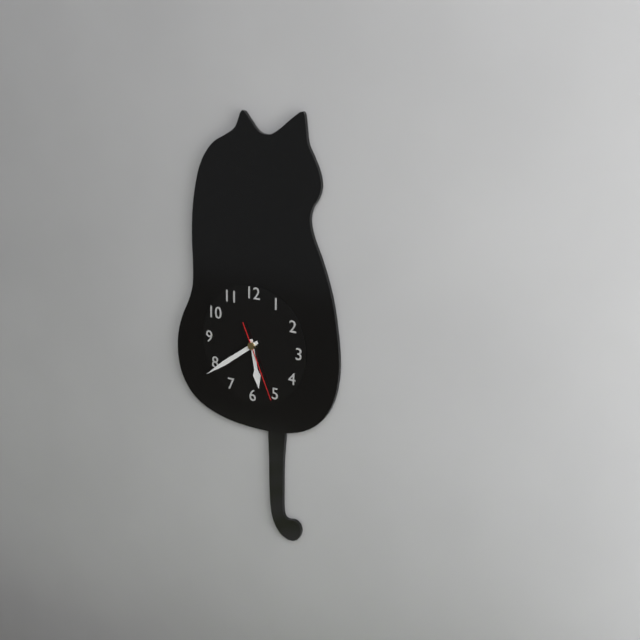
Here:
h=5 m=39 s=26
